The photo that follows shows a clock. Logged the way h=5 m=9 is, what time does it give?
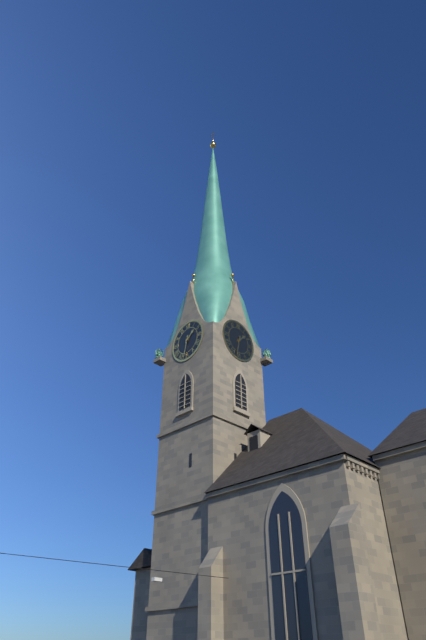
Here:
h=1 m=32
